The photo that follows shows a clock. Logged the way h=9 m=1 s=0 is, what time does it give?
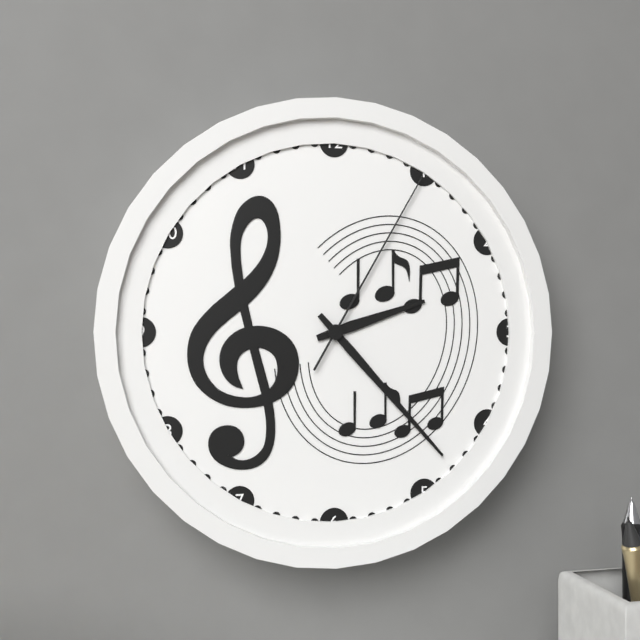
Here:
h=2 m=23 s=5
